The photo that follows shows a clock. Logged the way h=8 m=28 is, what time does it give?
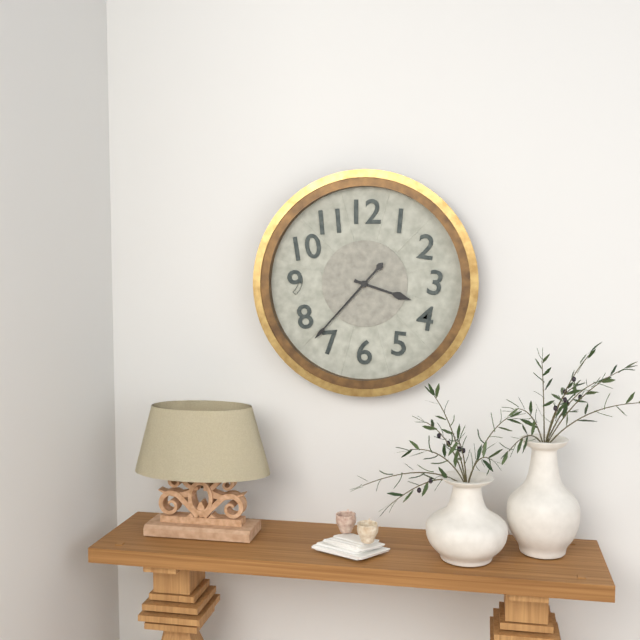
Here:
h=3 m=37
